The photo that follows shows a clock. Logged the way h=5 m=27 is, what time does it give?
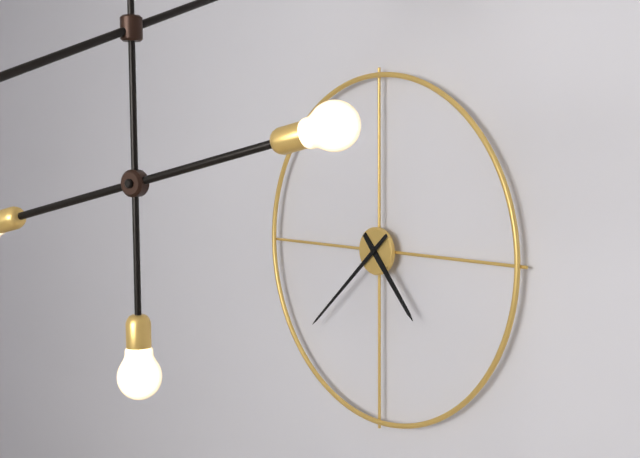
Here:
h=4 m=38
